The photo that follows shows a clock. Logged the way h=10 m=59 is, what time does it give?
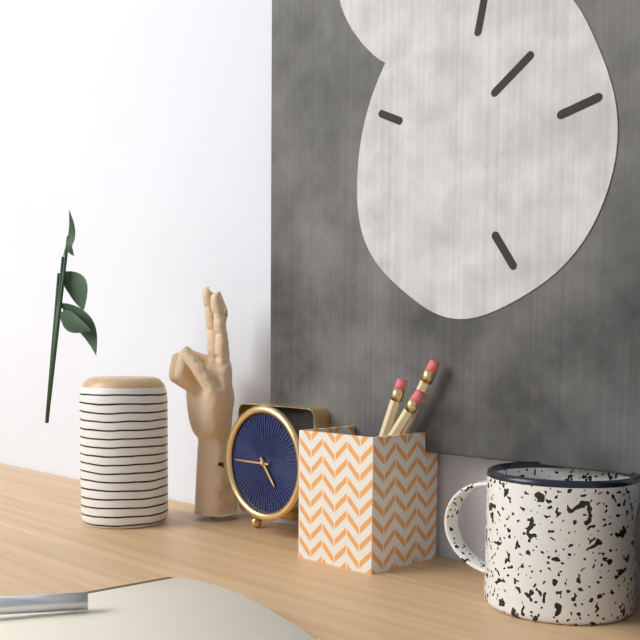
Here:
h=4 m=45
